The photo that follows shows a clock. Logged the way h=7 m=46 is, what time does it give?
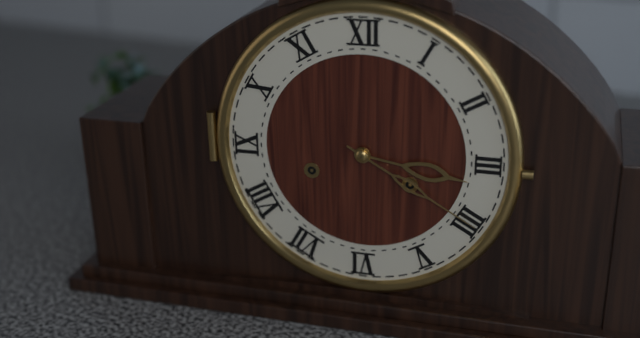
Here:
h=3 m=20
